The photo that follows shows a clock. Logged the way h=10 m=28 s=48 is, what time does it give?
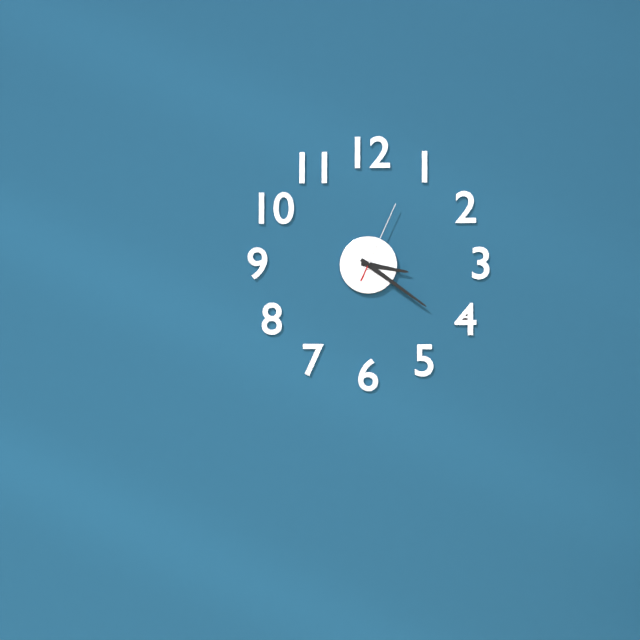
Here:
h=3 m=21 s=4
